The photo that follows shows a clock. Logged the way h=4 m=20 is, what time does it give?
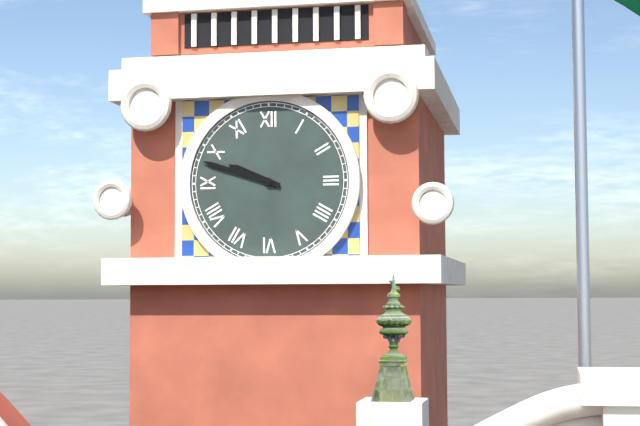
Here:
h=9 m=48
